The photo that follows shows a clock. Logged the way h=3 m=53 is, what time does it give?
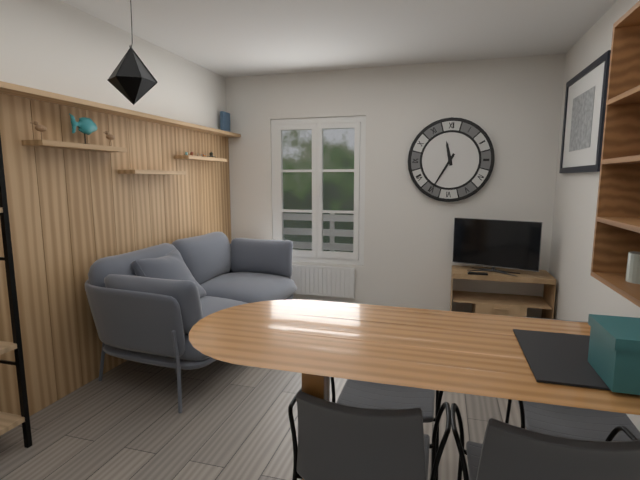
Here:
h=11 m=35
